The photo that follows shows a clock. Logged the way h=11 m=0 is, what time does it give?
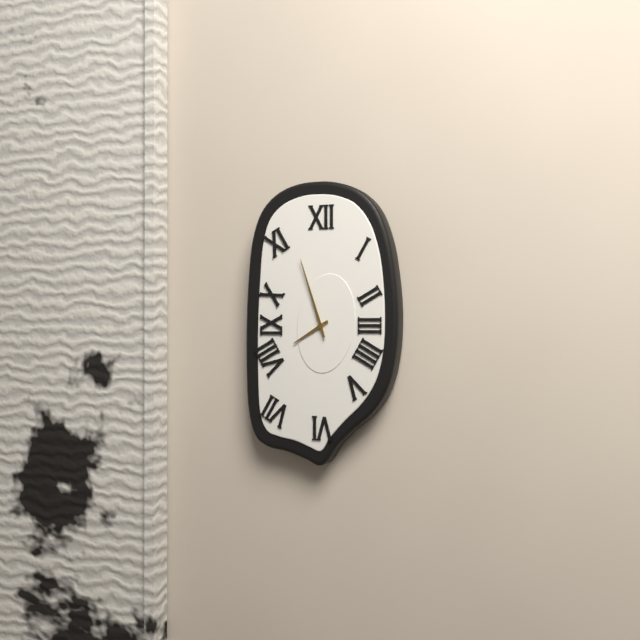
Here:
h=7 m=57
